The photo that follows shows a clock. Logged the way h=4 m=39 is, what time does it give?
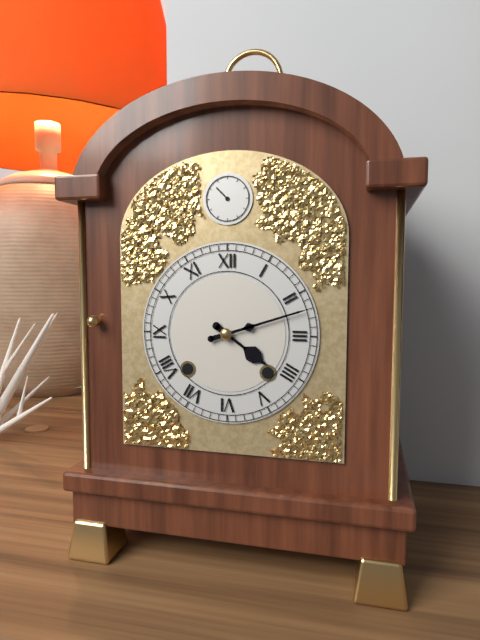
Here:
h=4 m=12
